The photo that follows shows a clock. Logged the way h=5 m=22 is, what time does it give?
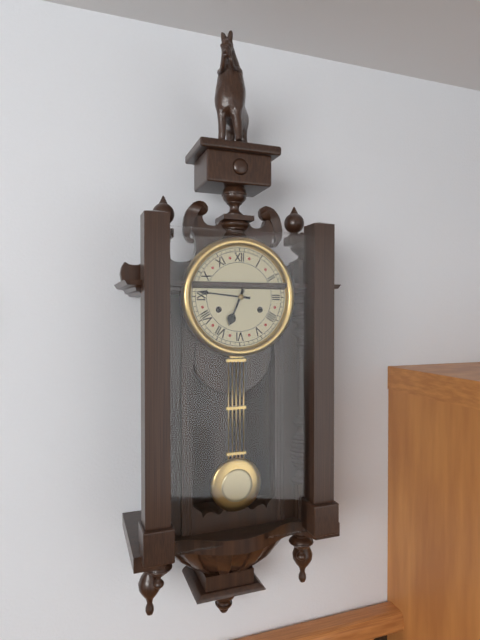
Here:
h=6 m=46
